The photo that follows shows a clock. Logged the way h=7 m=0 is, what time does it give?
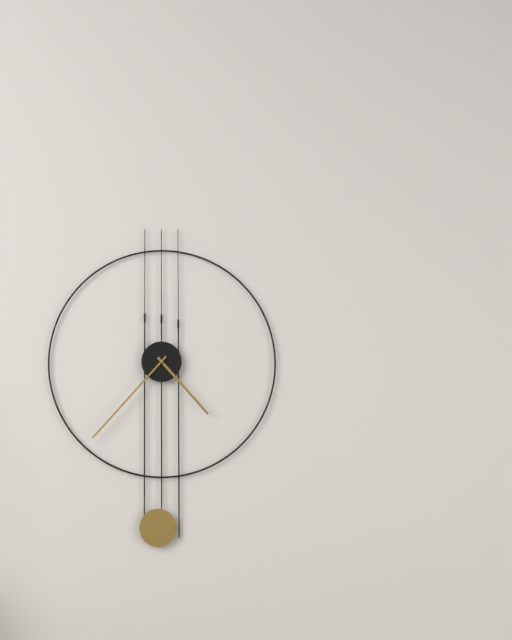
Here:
h=4 m=37
